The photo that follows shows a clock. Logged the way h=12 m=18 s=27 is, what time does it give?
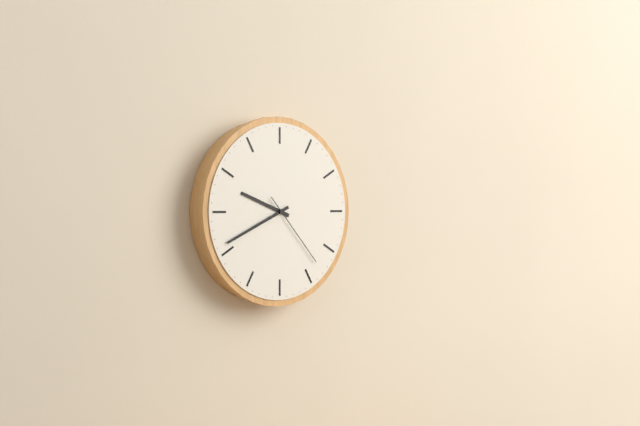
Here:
h=9 m=41 s=23
